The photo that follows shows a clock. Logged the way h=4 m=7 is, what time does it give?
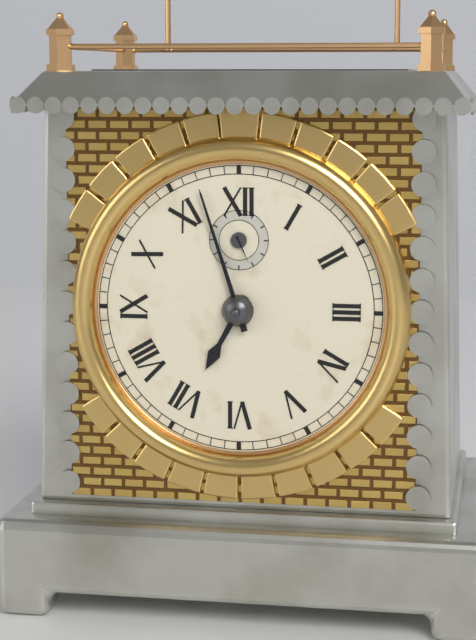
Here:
h=6 m=57
